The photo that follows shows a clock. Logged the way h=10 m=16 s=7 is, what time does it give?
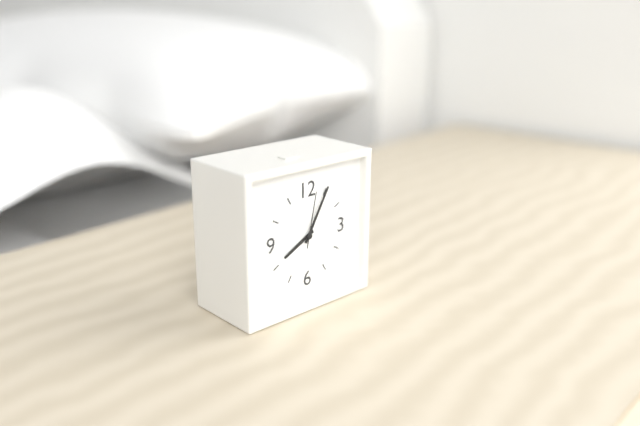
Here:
h=8 m=5 s=2
